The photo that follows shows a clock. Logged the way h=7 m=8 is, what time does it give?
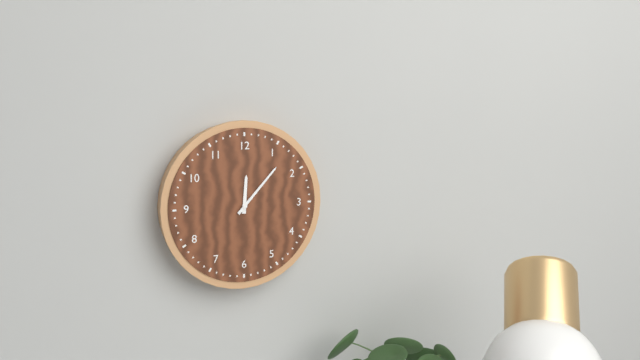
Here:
h=12 m=7
